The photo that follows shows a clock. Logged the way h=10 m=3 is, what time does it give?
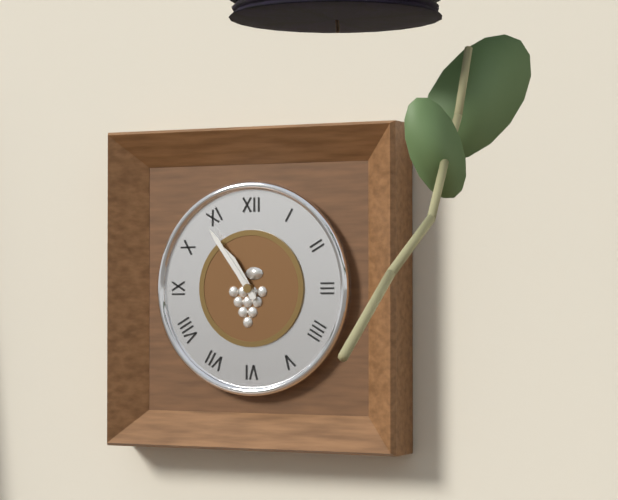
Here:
h=10 m=54
